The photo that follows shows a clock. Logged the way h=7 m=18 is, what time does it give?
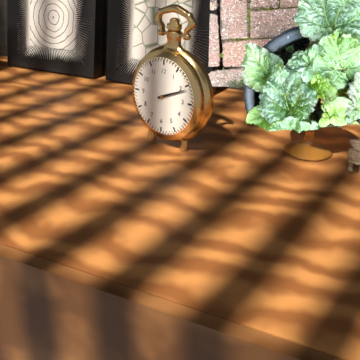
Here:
h=2 m=11
